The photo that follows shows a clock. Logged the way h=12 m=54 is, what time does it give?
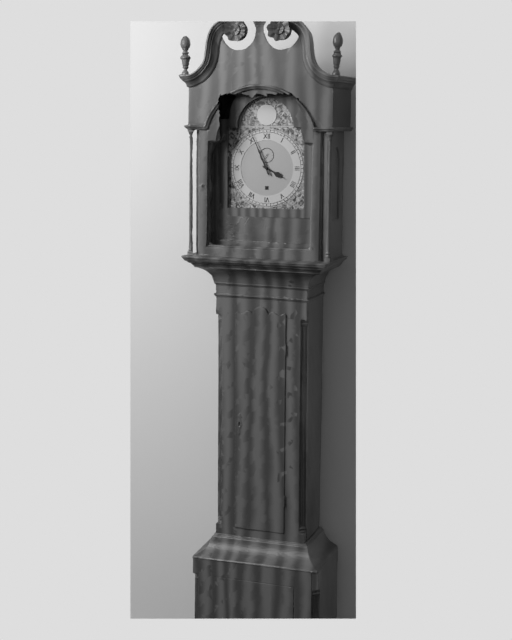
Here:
h=3 m=56
